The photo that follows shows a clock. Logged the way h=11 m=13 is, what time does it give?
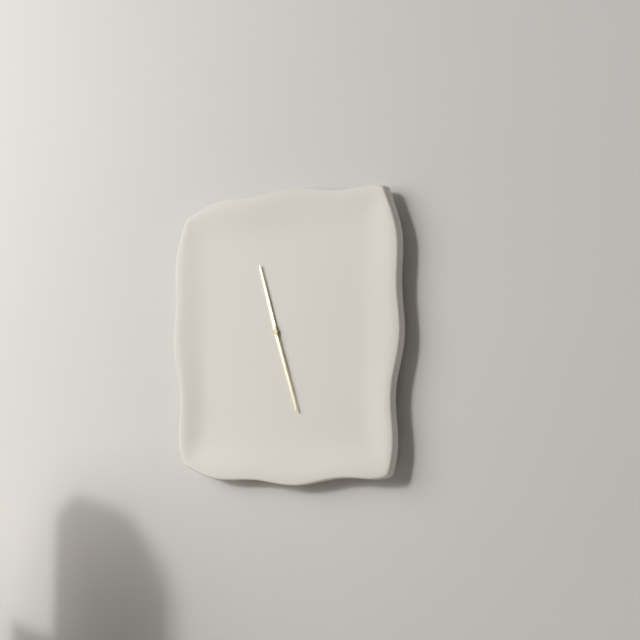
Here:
h=11 m=27
